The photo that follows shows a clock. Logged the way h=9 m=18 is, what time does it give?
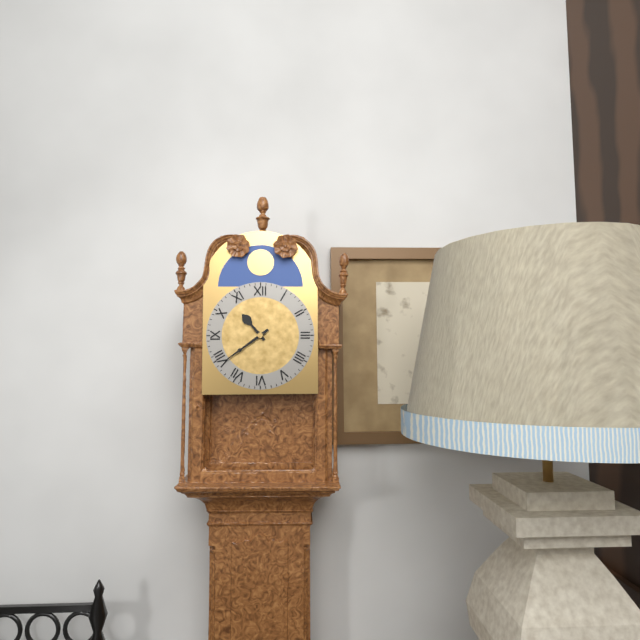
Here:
h=10 m=39
